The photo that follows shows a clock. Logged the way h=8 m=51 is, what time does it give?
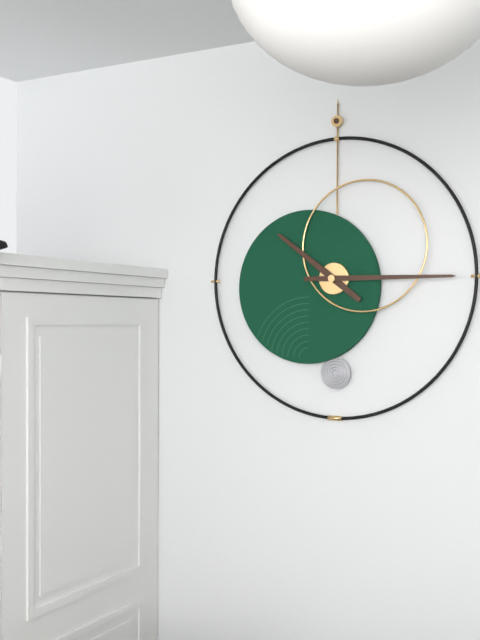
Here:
h=10 m=15
